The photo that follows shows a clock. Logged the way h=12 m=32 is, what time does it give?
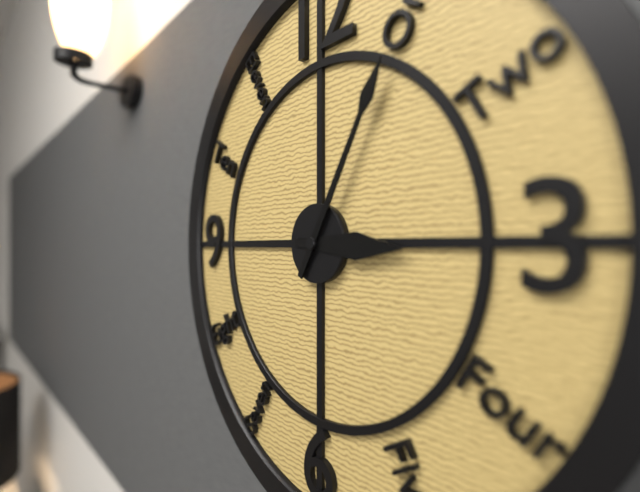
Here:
h=3 m=5
